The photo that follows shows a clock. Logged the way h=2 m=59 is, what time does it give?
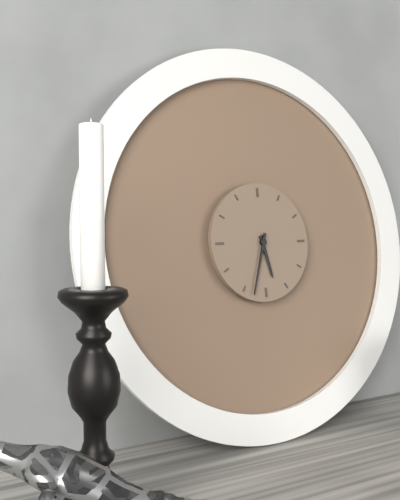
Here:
h=5 m=33
